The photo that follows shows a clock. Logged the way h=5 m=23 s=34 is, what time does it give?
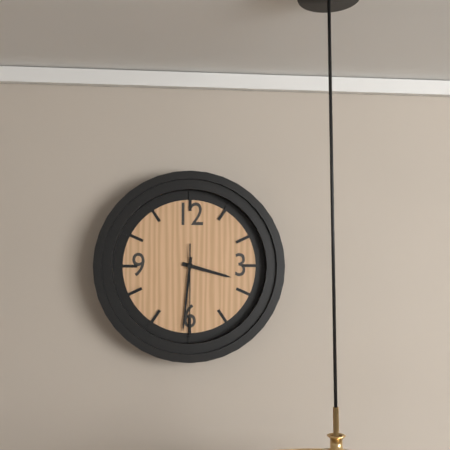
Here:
h=3 m=31 s=30
